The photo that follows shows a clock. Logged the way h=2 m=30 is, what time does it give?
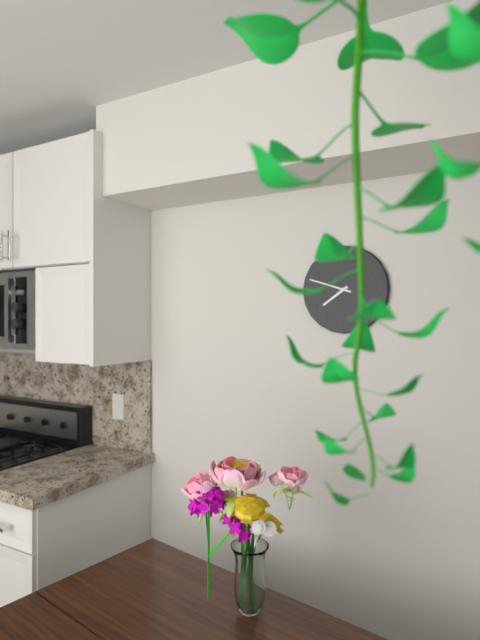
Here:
h=7 m=48
